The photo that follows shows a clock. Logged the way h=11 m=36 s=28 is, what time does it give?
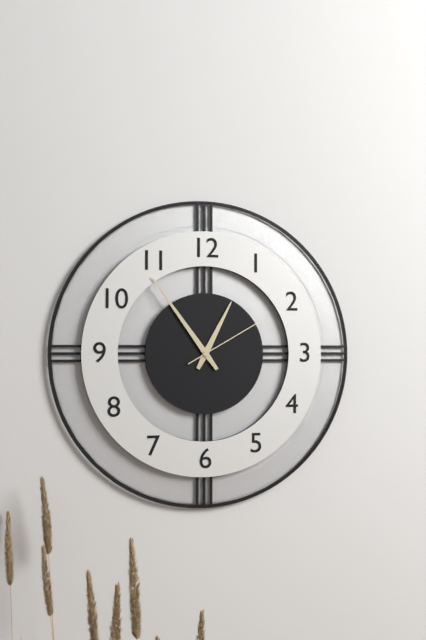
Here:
h=12 m=54 s=10
